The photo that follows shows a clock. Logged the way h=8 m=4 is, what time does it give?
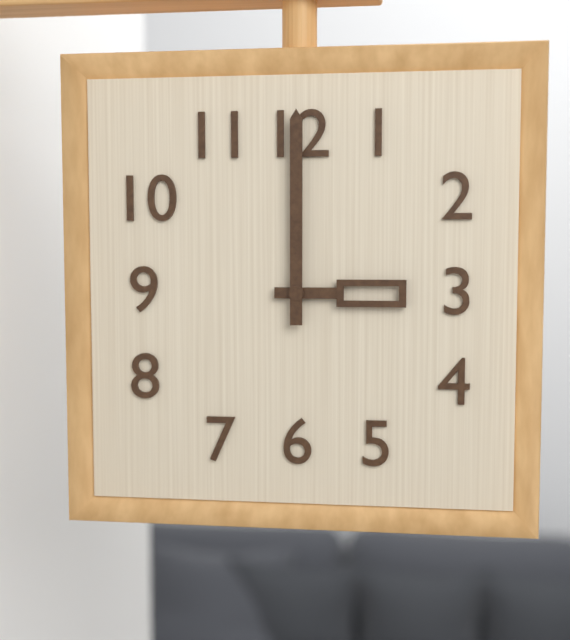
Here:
h=3 m=0
